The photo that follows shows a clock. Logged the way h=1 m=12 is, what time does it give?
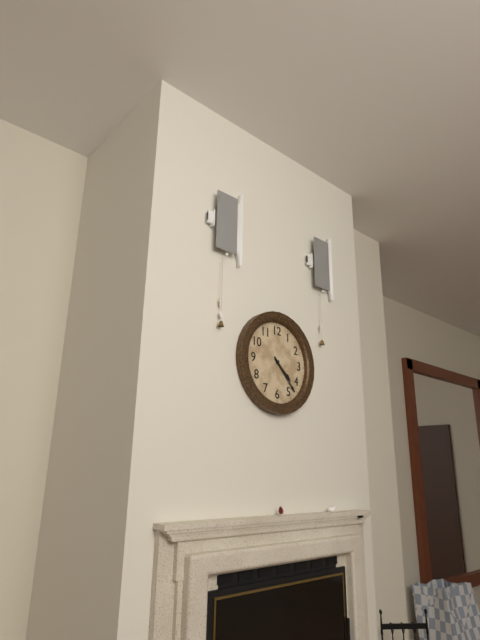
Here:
h=4 m=23
